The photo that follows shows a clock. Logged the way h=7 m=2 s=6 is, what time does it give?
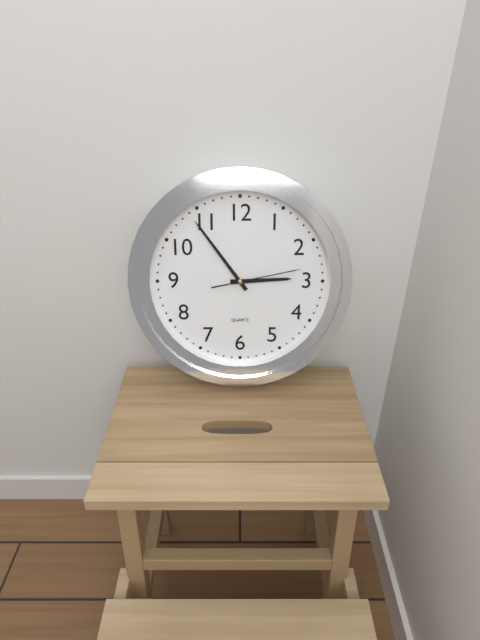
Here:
h=2 m=54 s=13
